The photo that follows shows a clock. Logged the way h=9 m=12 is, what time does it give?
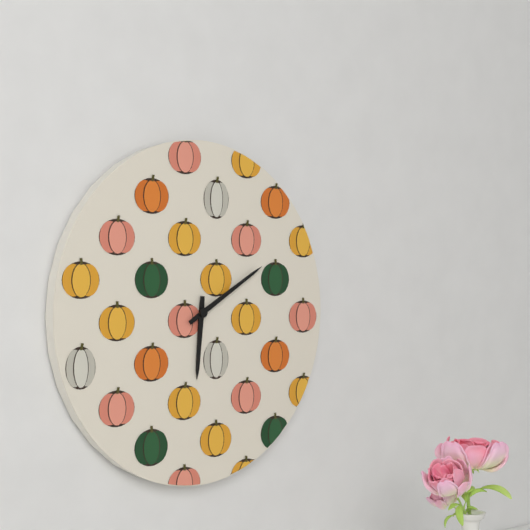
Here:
h=6 m=10
